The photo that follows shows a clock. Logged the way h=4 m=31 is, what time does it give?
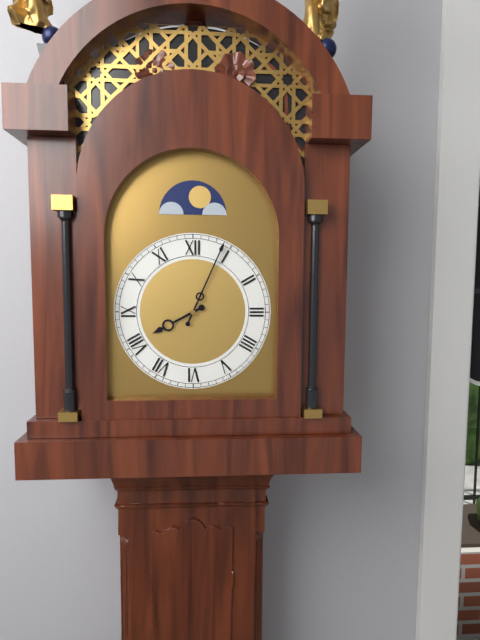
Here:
h=8 m=4
